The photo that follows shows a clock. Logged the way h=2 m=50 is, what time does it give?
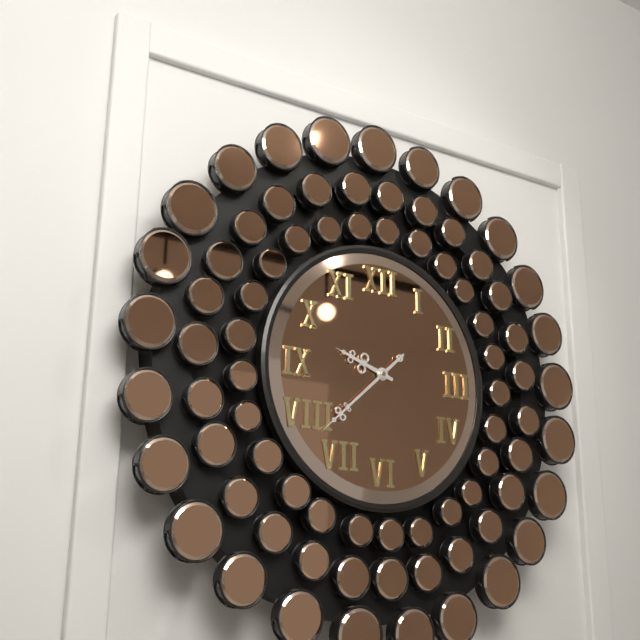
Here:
h=9 m=38
